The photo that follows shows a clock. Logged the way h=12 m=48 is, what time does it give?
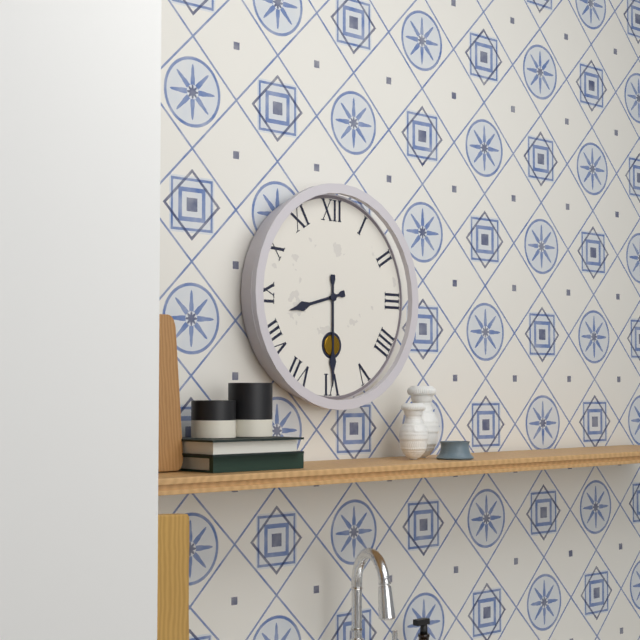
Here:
h=8 m=30
